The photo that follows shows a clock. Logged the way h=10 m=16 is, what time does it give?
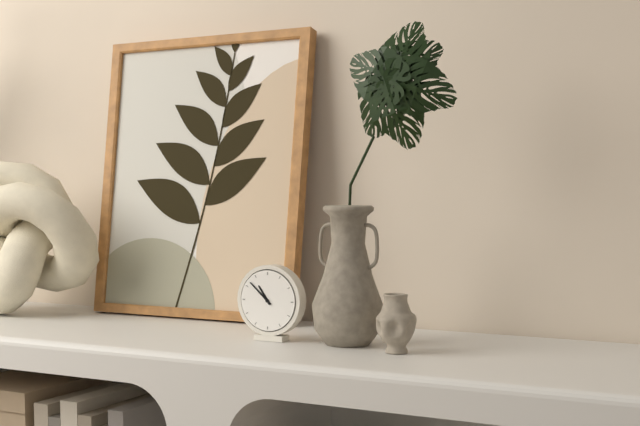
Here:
h=10 m=52
